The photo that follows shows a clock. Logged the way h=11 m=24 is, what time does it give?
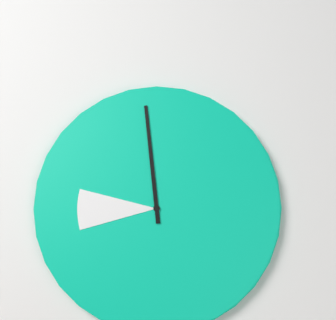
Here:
h=8 m=59
